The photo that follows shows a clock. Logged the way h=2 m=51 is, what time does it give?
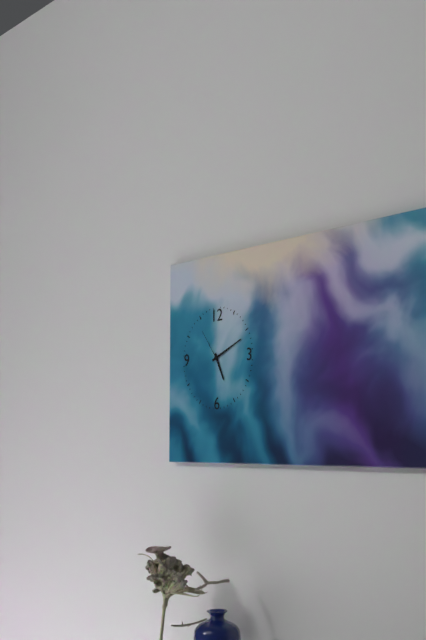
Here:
h=5 m=11
